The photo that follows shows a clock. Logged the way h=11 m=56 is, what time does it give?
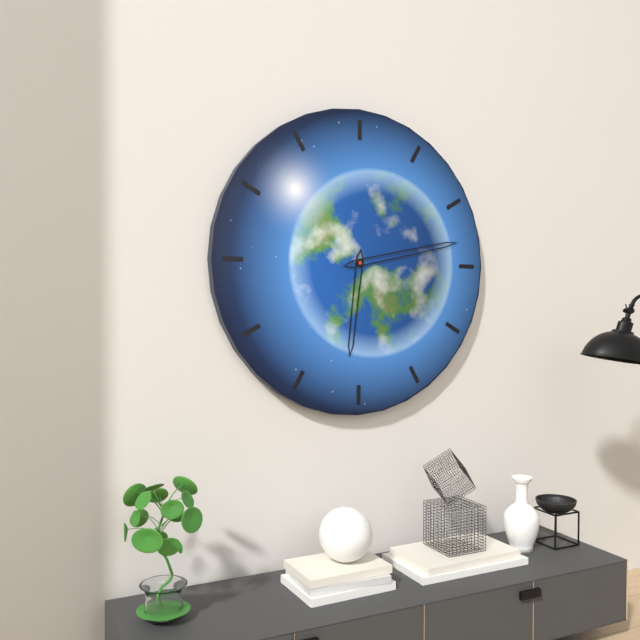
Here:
h=6 m=13
